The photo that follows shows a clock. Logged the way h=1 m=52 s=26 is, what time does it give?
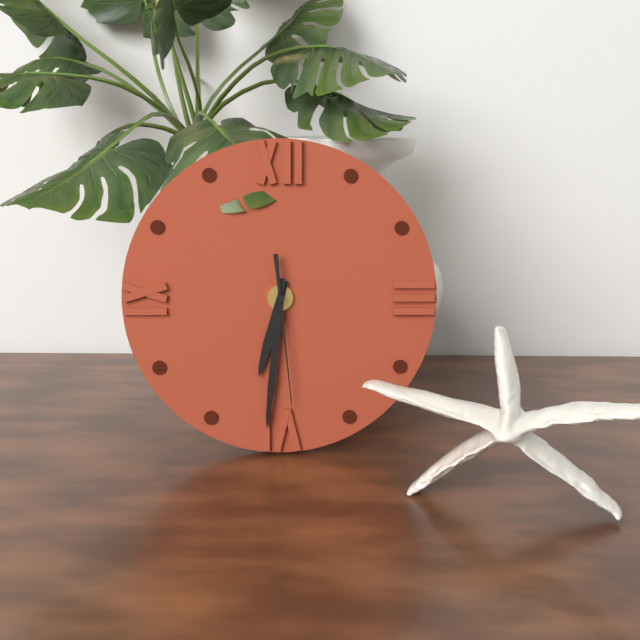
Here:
h=6 m=31 s=29
